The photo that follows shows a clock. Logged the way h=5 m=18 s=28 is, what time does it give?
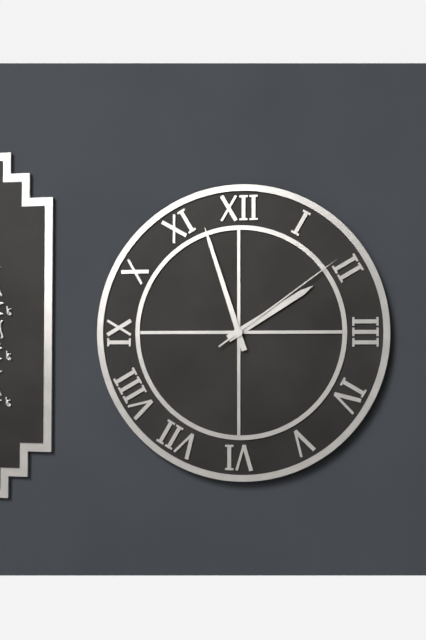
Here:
h=1 m=57 s=9
